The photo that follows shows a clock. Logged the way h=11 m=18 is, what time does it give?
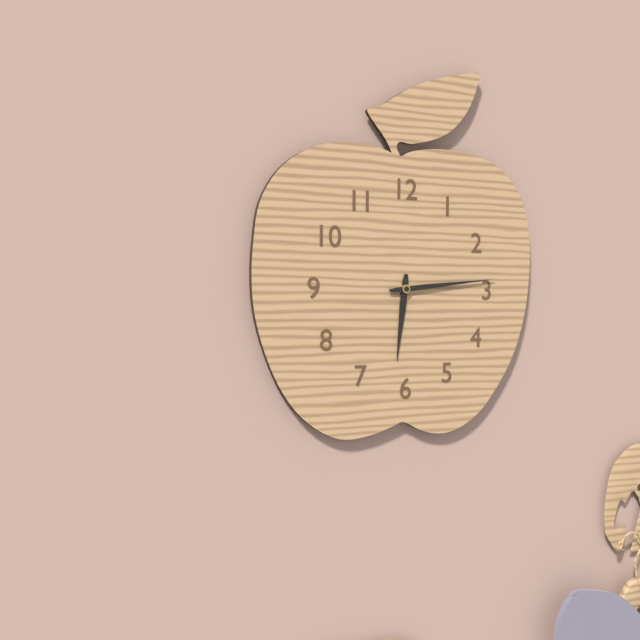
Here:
h=6 m=14
